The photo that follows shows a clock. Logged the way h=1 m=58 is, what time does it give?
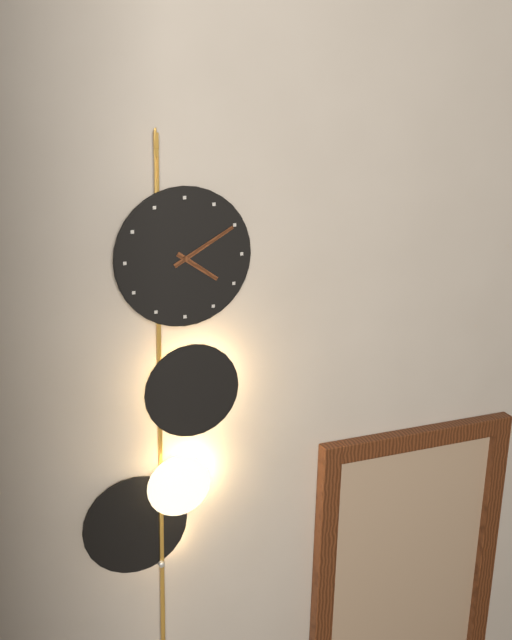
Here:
h=4 m=10
